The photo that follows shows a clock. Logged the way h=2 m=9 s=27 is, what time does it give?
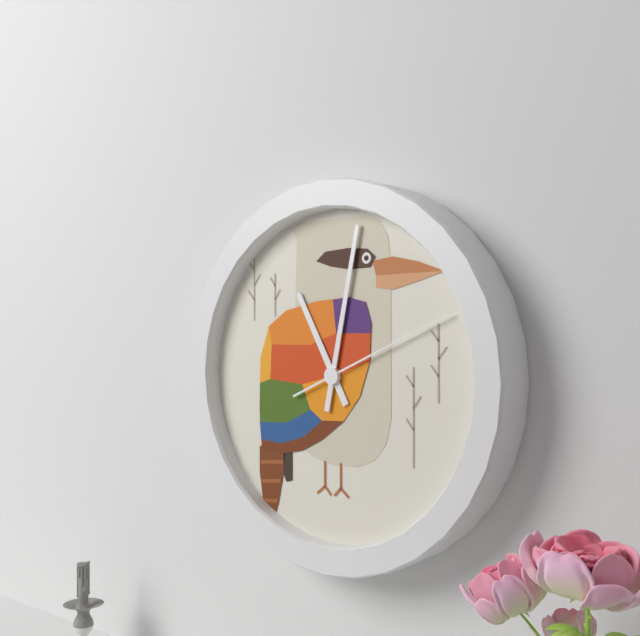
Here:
h=11 m=2 s=11
